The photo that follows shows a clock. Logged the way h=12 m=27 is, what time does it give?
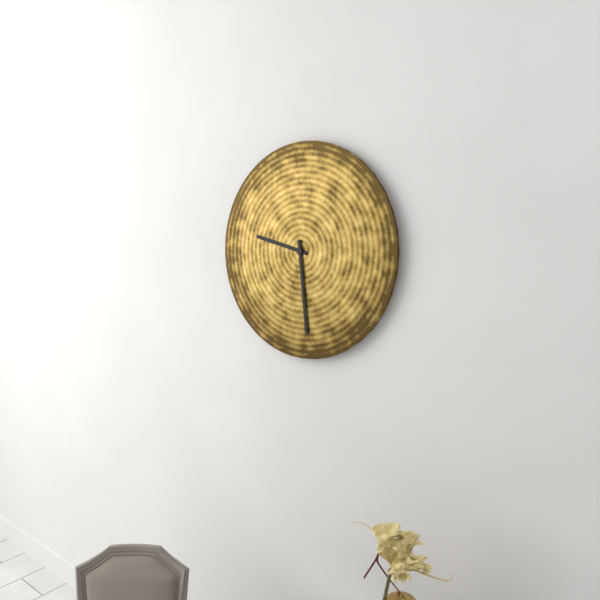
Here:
h=9 m=29
